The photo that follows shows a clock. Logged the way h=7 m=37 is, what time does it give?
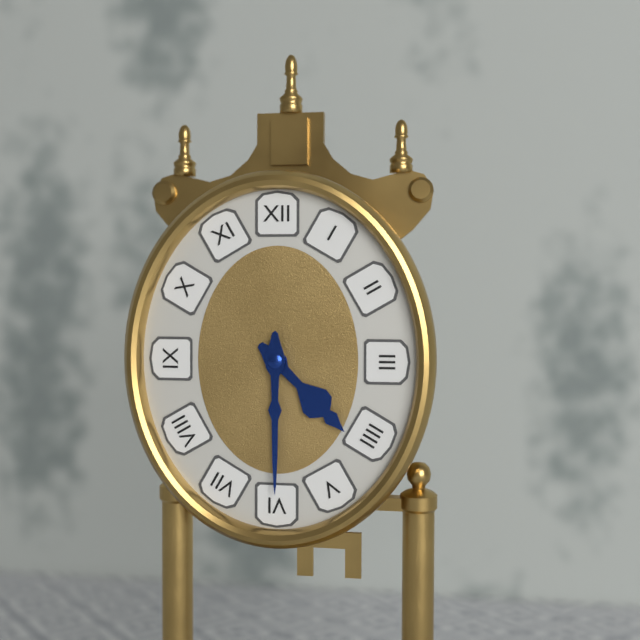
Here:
h=4 m=30
